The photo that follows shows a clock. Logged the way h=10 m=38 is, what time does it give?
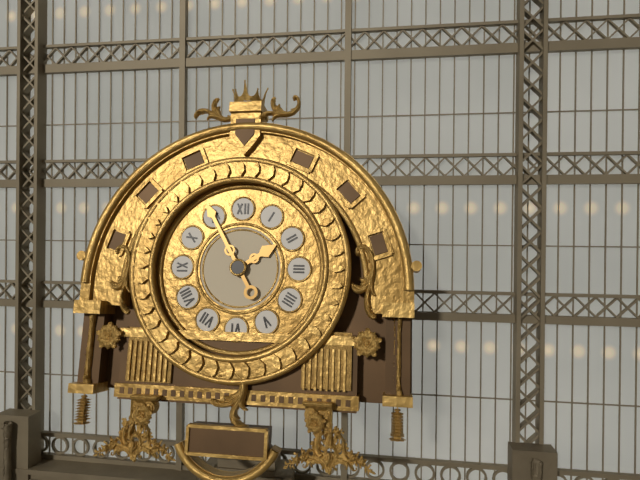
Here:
h=1 m=55
